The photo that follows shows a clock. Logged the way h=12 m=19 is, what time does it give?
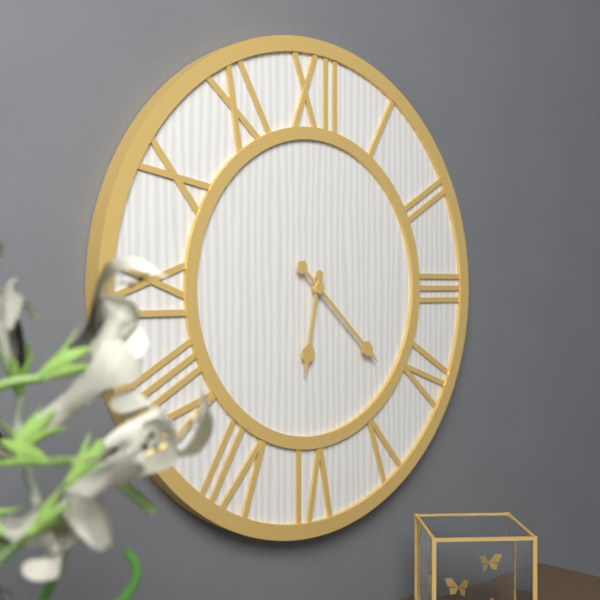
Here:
h=6 m=22
